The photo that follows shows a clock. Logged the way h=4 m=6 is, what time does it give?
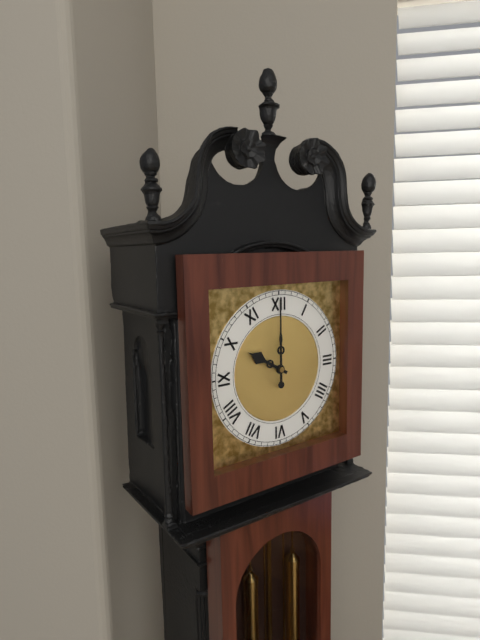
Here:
h=10 m=0
